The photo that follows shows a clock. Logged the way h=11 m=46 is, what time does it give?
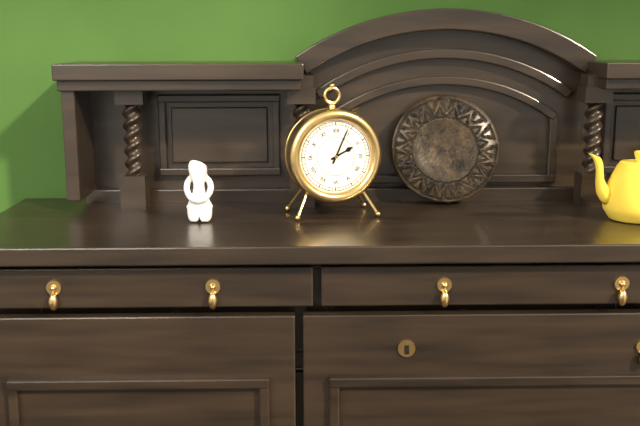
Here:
h=2 m=4
